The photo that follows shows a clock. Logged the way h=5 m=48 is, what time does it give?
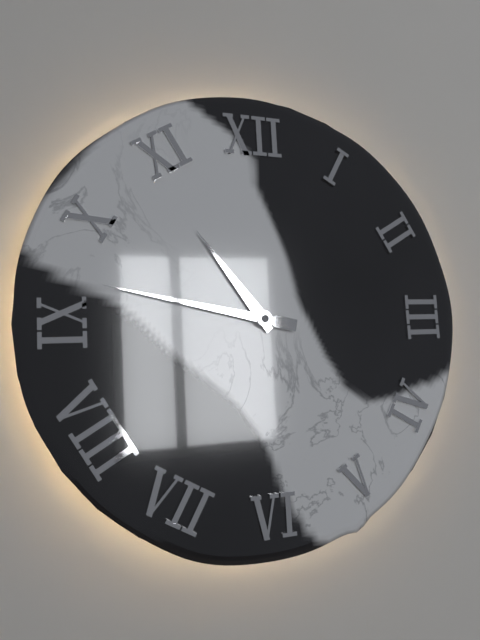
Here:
h=10 m=47
